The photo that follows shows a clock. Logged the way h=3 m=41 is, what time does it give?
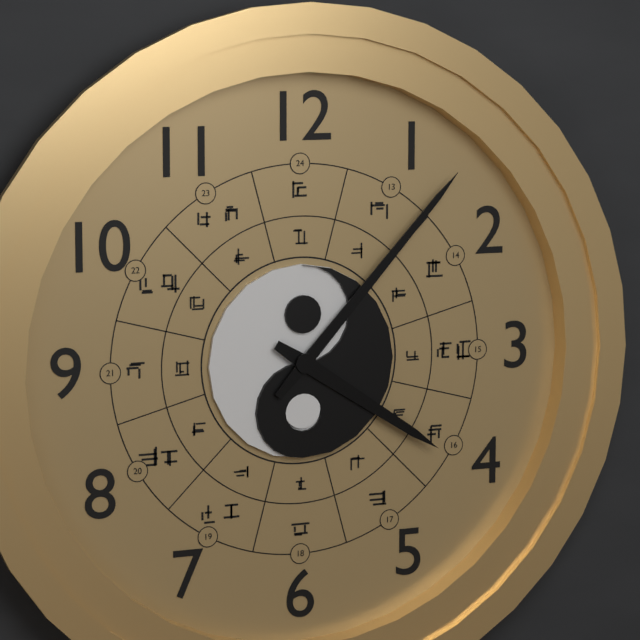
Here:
h=4 m=7
